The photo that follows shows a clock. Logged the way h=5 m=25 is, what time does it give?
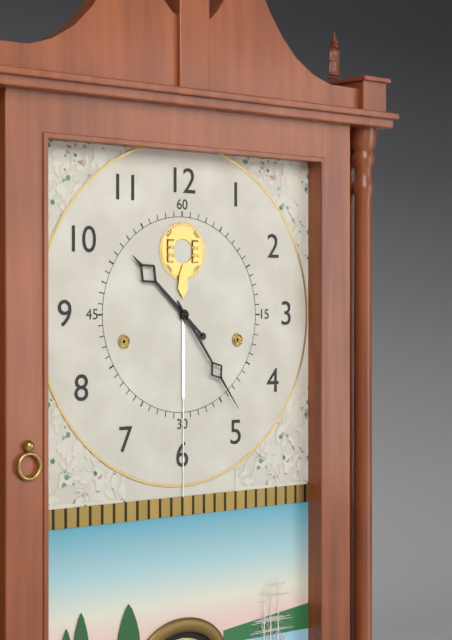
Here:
h=10 m=24
